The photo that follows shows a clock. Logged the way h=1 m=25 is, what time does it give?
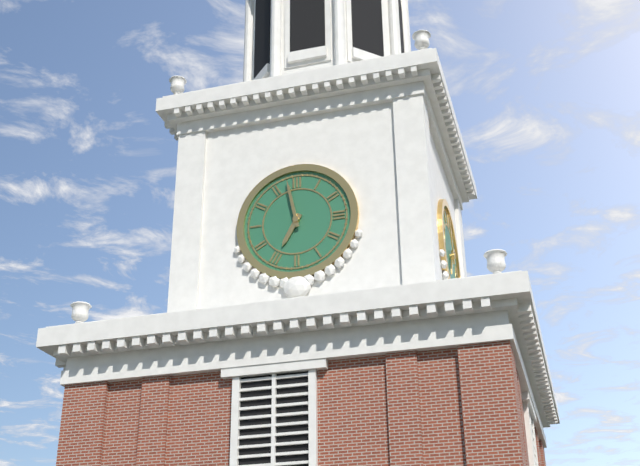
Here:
h=6 m=58
